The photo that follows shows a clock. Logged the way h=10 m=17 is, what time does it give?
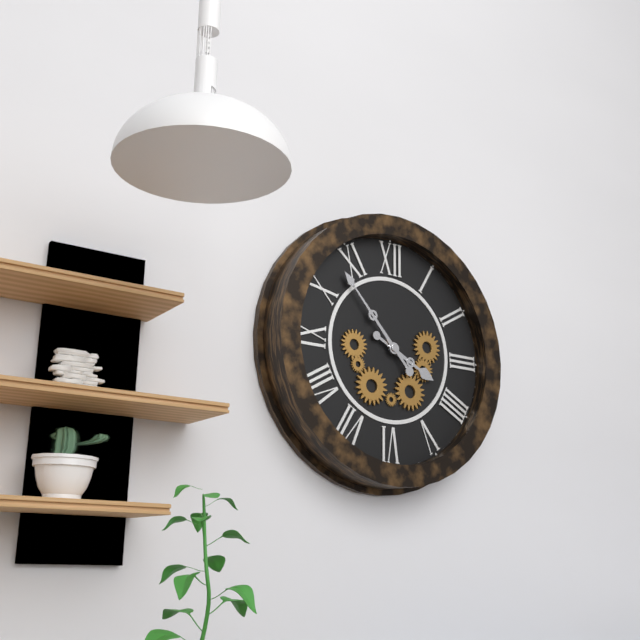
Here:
h=3 m=53
